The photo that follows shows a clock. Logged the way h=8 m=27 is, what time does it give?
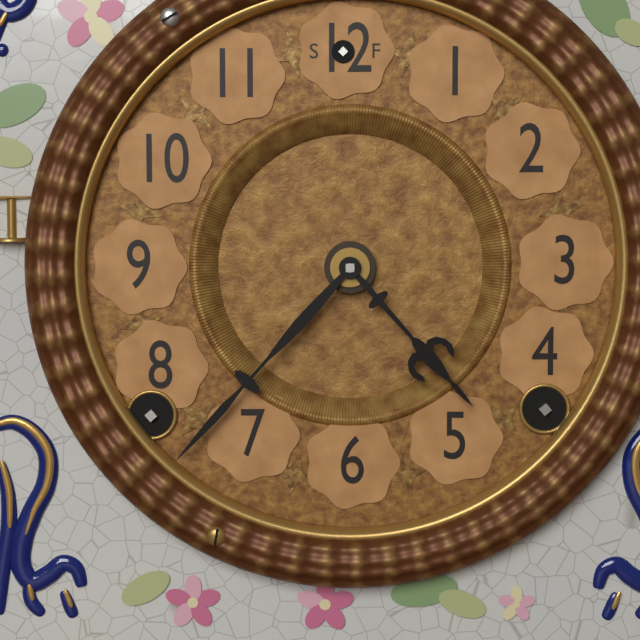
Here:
h=4 m=37
